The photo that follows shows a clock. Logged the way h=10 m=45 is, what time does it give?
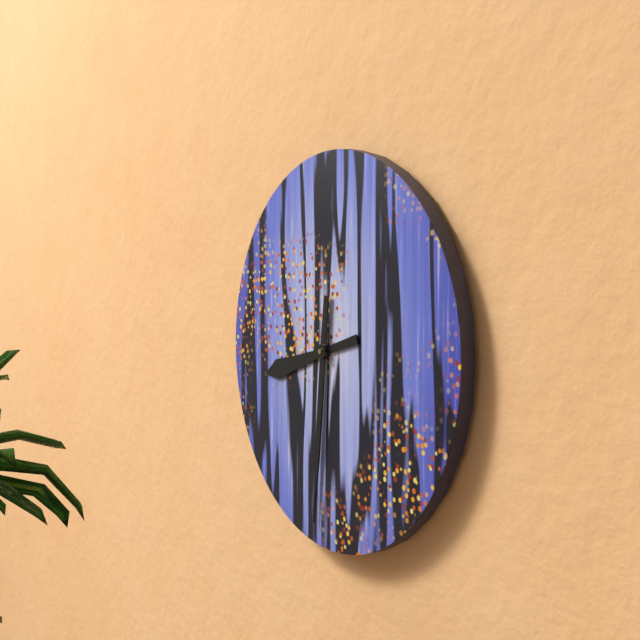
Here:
h=8 m=31
